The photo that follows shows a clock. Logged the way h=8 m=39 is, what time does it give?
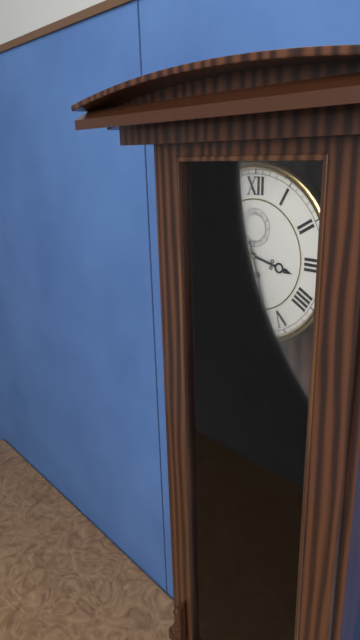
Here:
h=3 m=27
